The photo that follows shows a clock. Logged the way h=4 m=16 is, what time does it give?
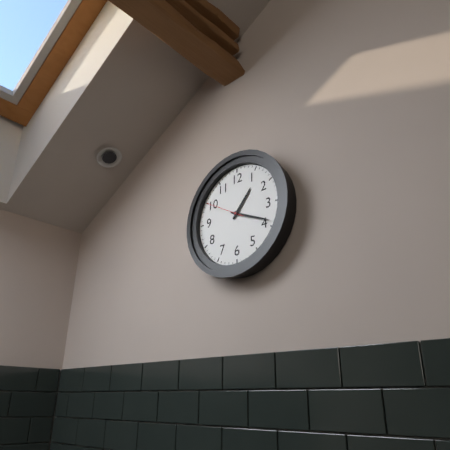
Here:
h=1 m=19
